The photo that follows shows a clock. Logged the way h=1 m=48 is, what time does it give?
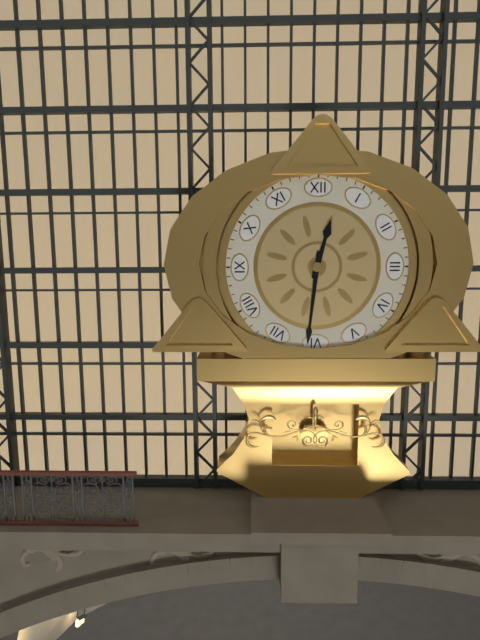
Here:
h=12 m=31
